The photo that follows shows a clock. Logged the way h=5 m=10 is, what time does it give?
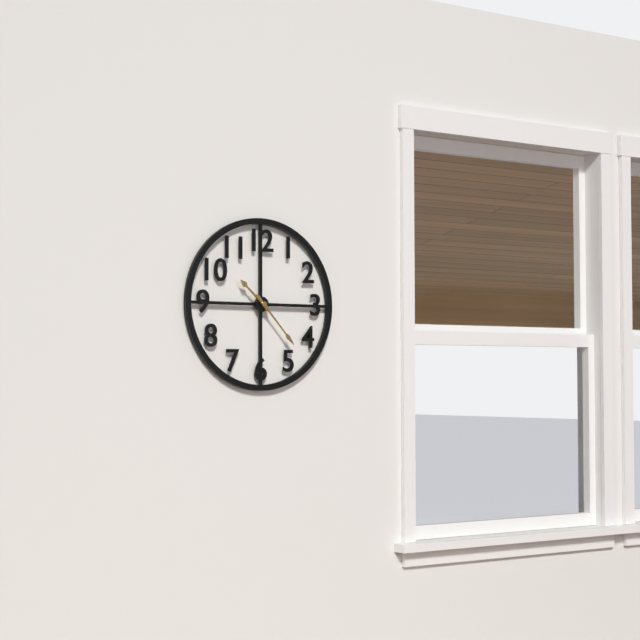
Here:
h=10 m=23
